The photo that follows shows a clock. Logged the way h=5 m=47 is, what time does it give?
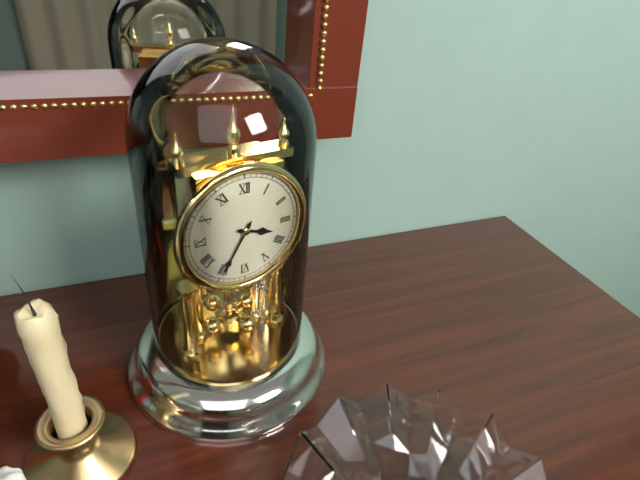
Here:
h=3 m=35
